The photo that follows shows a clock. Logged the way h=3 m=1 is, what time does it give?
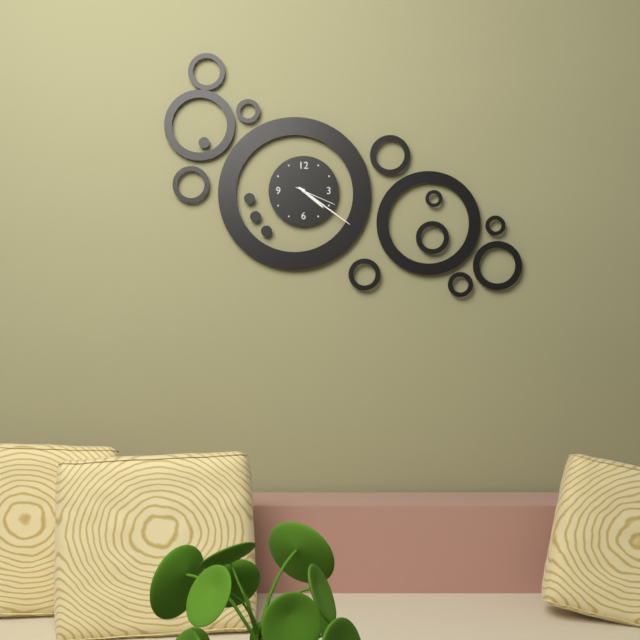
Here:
h=4 m=21
